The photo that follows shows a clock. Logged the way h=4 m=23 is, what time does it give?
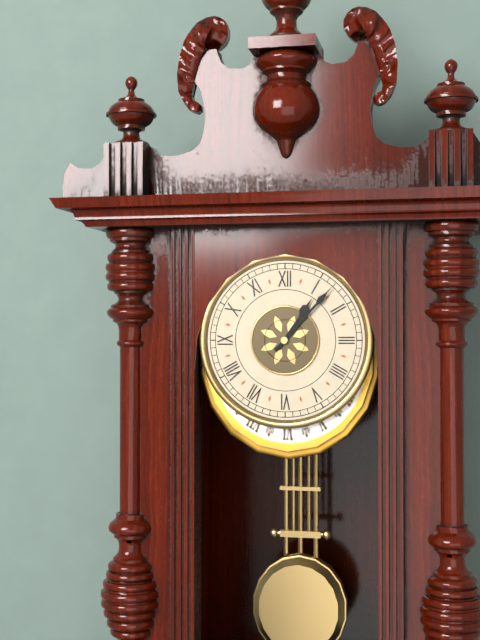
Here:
h=1 m=7
